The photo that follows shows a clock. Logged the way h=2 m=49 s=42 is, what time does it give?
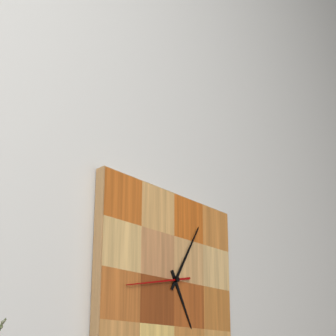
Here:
h=5 m=5 s=43
